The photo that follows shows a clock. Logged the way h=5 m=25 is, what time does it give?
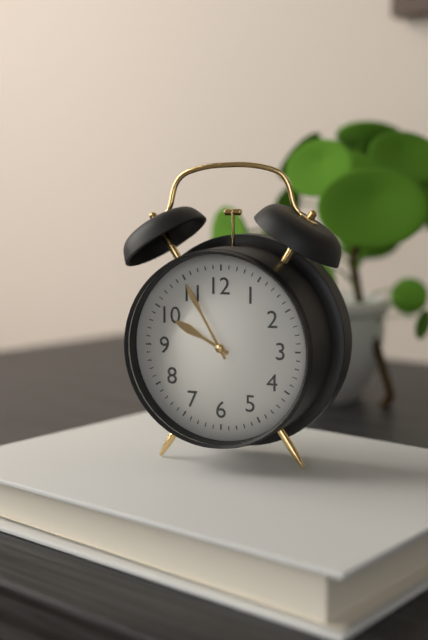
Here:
h=9 m=55
